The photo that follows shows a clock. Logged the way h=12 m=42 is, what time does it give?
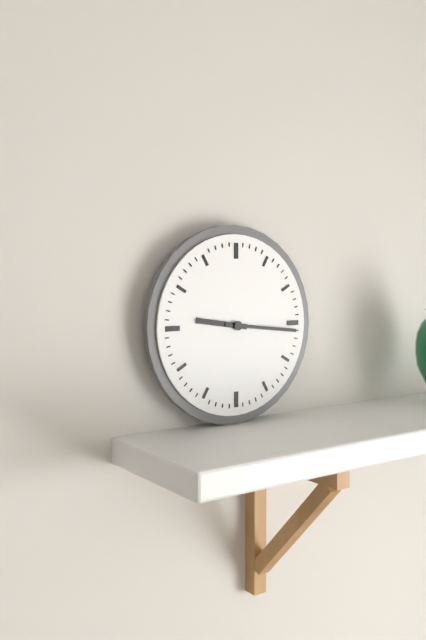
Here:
h=9 m=16
